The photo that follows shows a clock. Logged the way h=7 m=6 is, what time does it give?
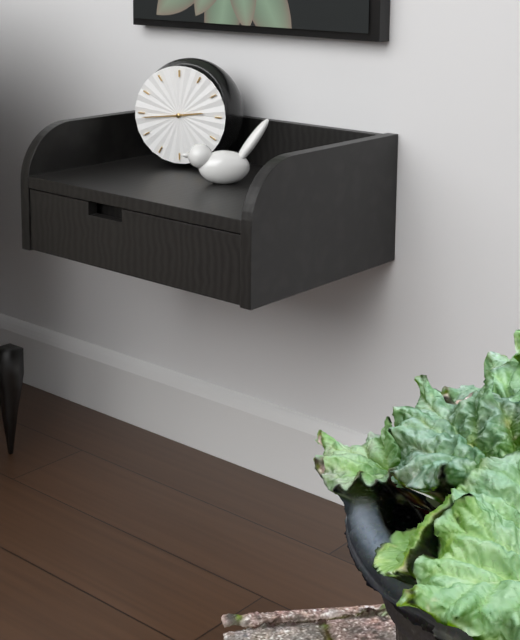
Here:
h=2 m=44
